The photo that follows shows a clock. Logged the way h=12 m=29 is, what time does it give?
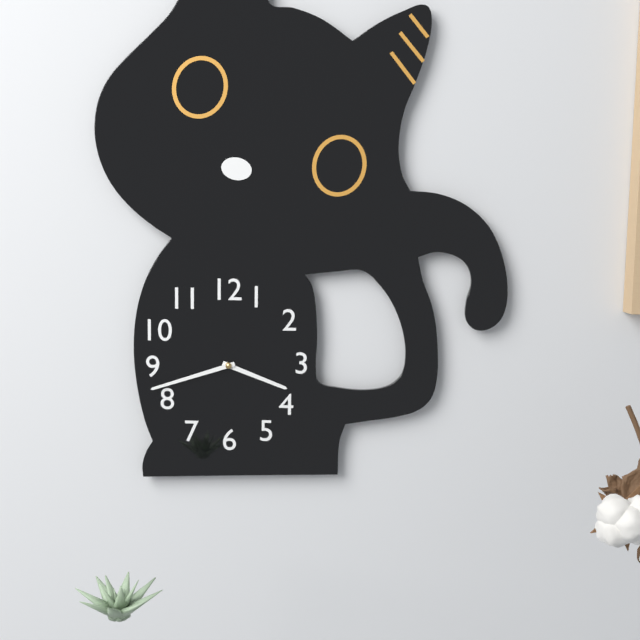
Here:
h=3 m=42
